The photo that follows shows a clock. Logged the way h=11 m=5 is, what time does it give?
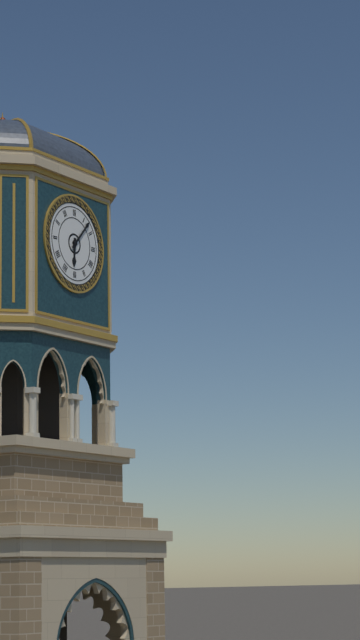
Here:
h=6 m=7
